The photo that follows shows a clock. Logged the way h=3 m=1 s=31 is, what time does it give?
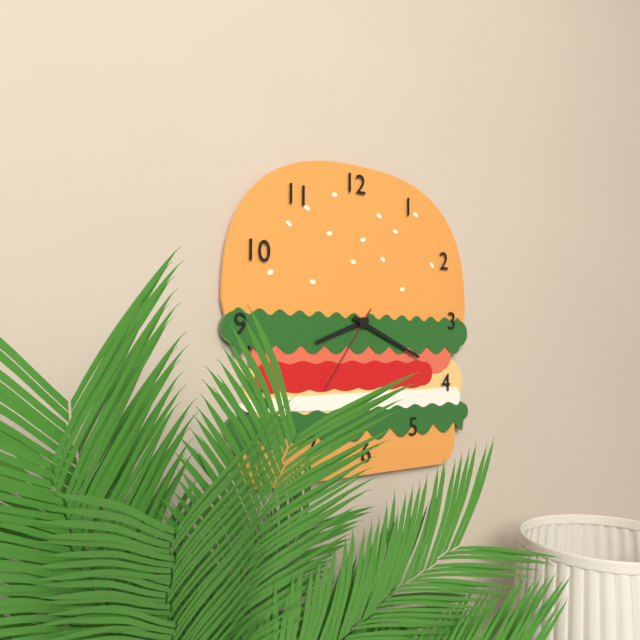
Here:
h=8 m=19 s=36
